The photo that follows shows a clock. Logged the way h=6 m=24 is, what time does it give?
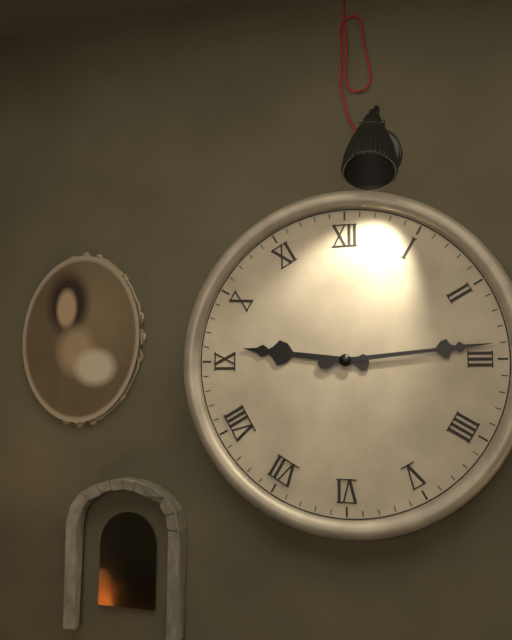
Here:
h=9 m=14
